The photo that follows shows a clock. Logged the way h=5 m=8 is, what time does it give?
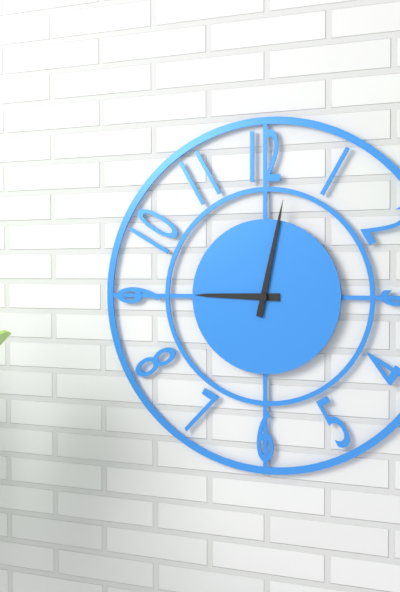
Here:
h=9 m=2
